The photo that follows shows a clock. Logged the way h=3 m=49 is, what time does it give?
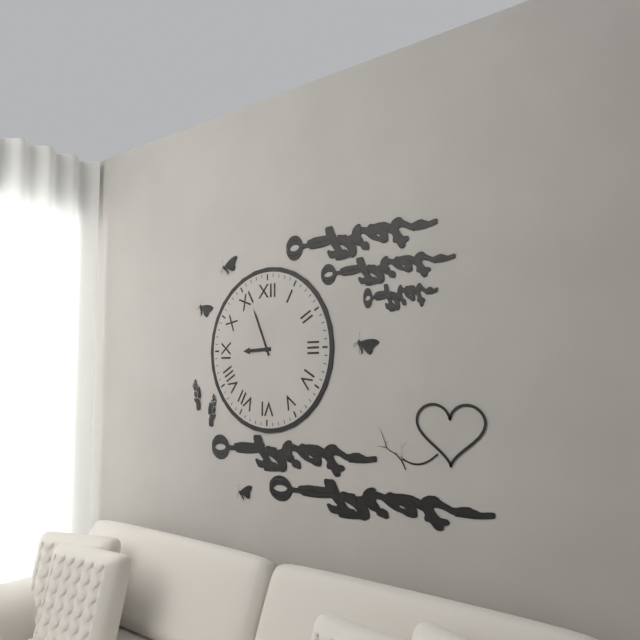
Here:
h=8 m=56
